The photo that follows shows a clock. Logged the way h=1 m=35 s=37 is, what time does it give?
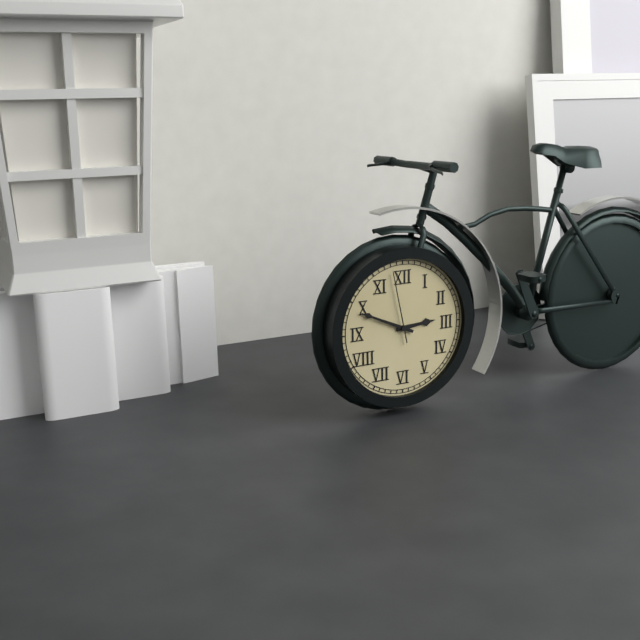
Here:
h=2 m=49 s=58
